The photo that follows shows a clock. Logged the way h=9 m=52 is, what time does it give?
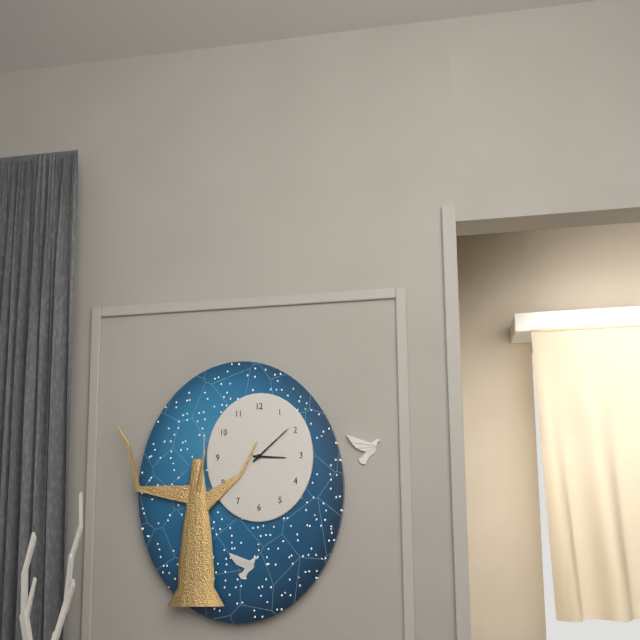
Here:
h=3 m=8
